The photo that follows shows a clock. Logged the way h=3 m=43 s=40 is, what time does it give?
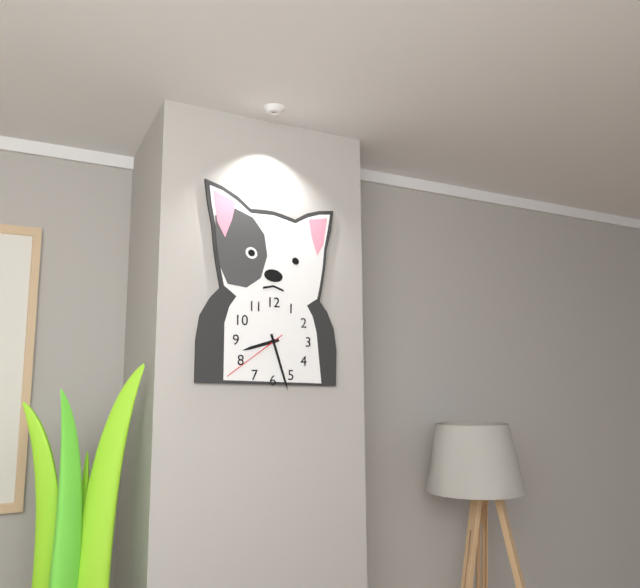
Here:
h=8 m=27 s=39
